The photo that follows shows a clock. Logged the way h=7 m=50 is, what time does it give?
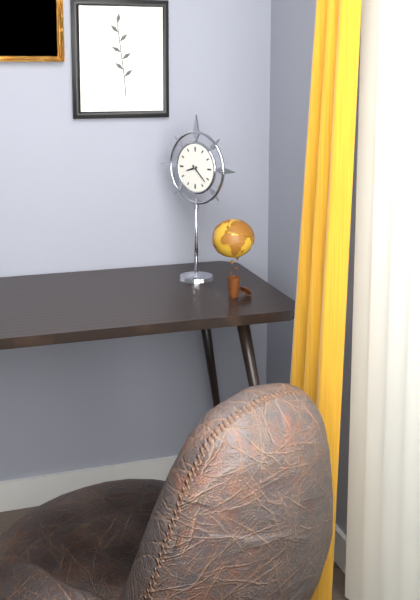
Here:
h=8 m=22
